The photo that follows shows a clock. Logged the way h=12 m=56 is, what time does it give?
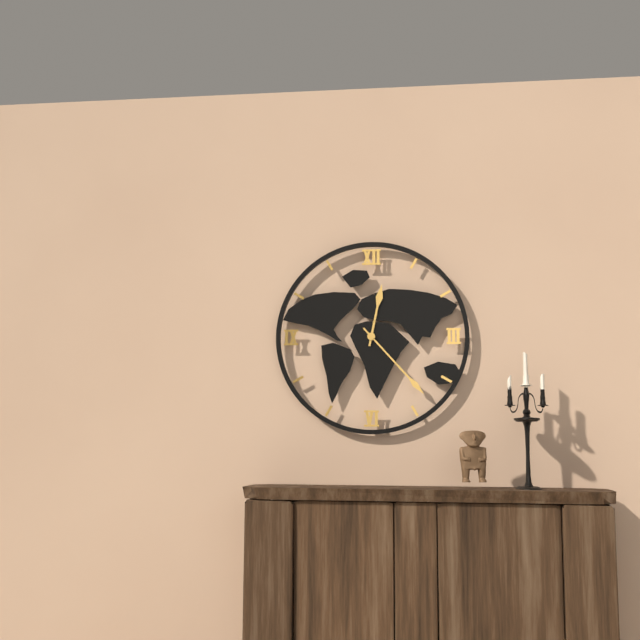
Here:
h=12 m=23
